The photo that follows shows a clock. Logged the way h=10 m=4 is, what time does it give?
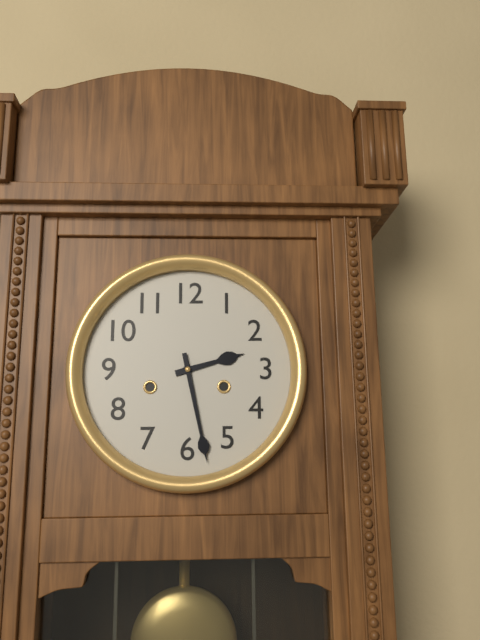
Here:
h=2 m=28
